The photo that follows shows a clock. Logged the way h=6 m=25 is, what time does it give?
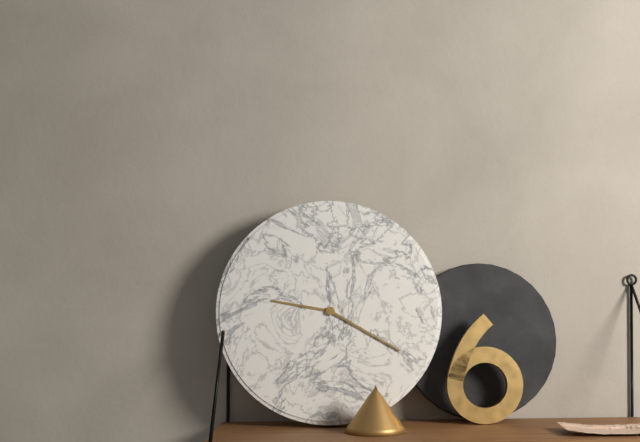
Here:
h=9 m=20
